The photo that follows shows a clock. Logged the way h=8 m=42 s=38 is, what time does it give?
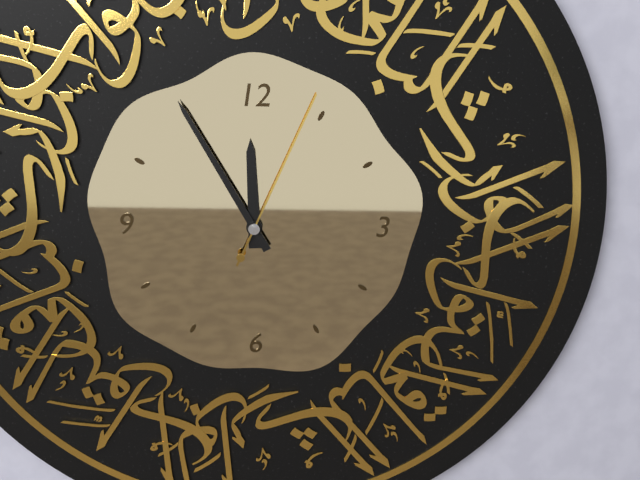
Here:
h=11 m=55 s=4
